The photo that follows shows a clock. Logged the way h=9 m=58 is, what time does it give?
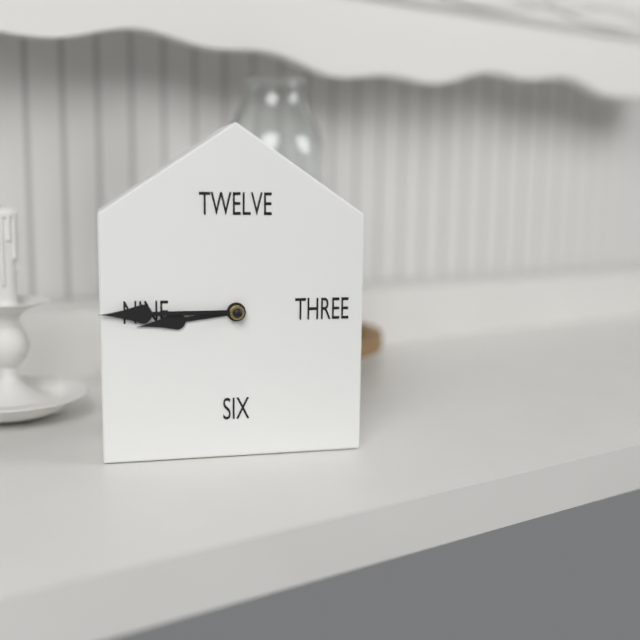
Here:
h=8 m=45
